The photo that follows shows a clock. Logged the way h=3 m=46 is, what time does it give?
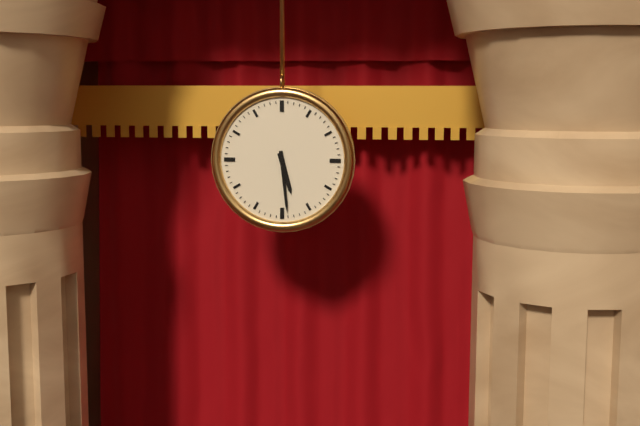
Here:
h=5 m=29
